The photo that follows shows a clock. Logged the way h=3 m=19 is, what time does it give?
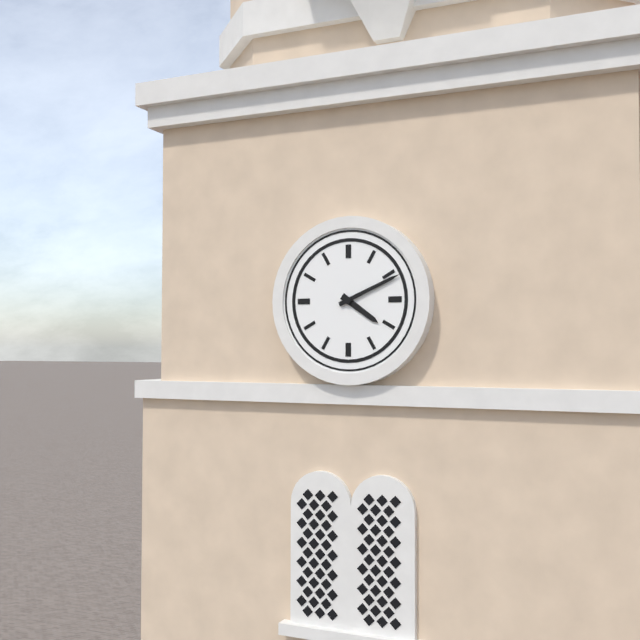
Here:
h=4 m=11
